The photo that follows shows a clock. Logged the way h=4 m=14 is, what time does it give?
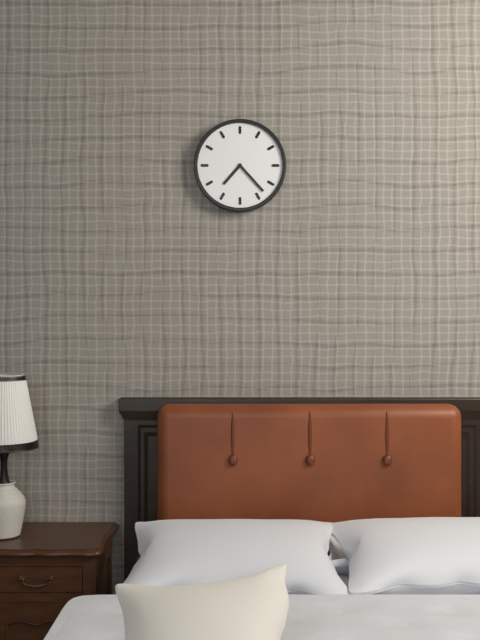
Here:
h=7 m=23
